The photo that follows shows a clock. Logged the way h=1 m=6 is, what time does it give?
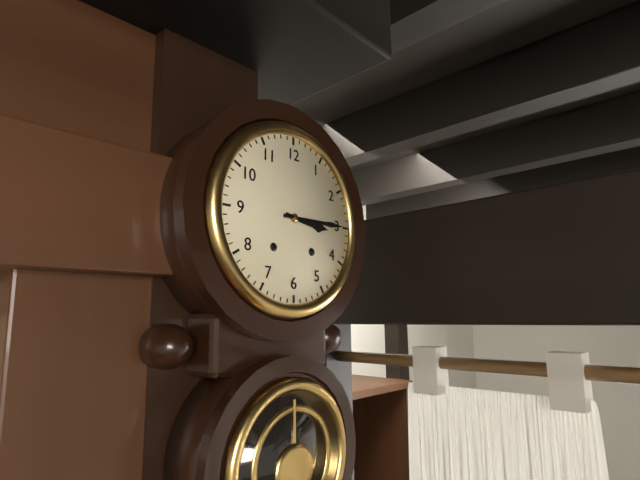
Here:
h=3 m=15
